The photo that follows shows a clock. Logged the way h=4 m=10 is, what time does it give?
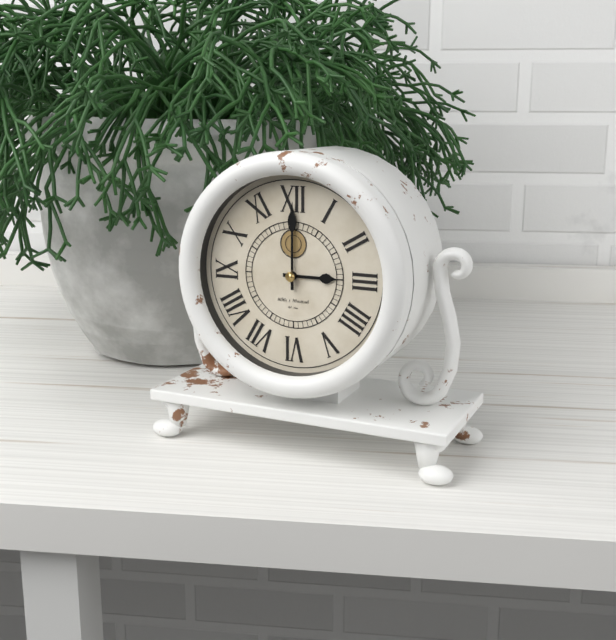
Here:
h=3 m=0
